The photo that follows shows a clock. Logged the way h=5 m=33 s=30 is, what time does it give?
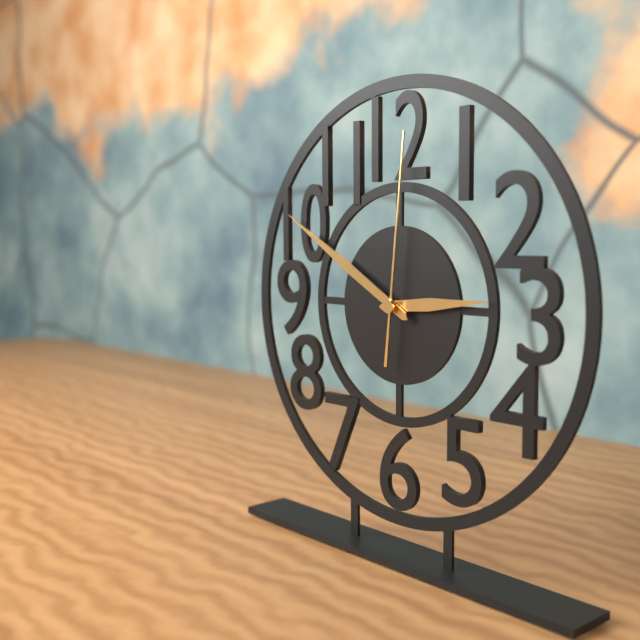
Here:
h=2 m=50 s=1
